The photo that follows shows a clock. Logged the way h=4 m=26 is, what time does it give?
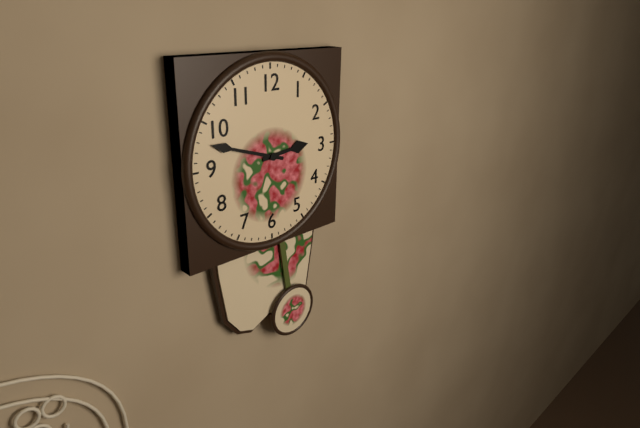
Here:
h=2 m=48
